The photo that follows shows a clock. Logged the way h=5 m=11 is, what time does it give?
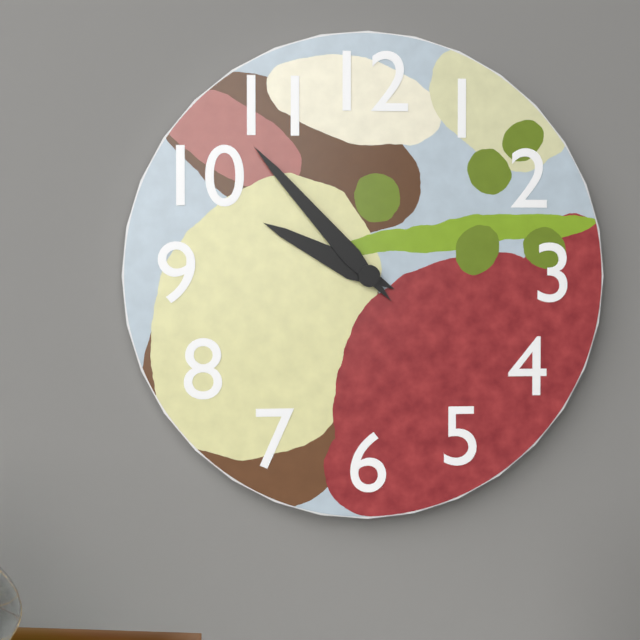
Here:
h=9 m=53
